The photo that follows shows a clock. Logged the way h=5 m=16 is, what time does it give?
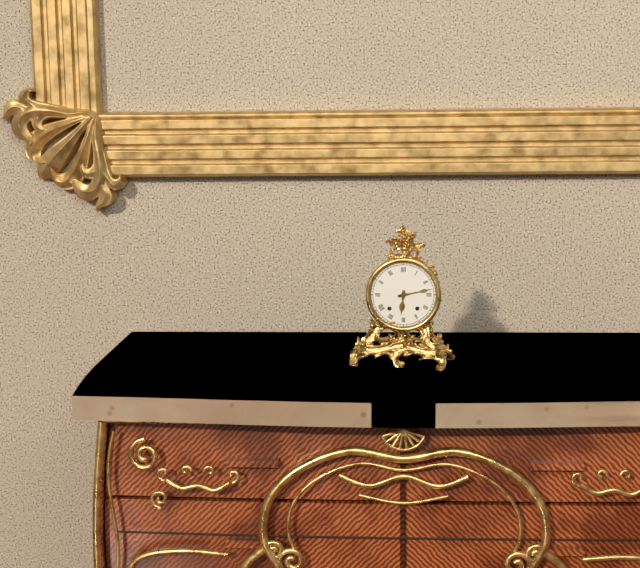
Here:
h=6 m=13
